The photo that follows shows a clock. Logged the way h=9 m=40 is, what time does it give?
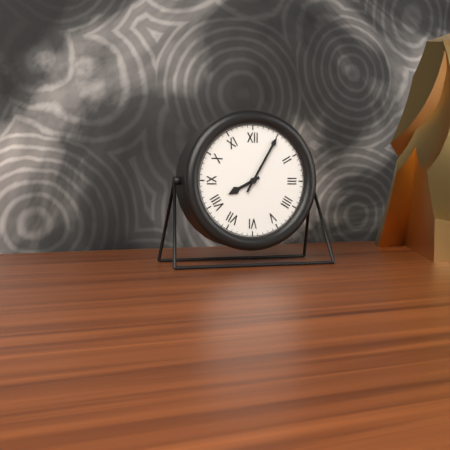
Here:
h=8 m=5
